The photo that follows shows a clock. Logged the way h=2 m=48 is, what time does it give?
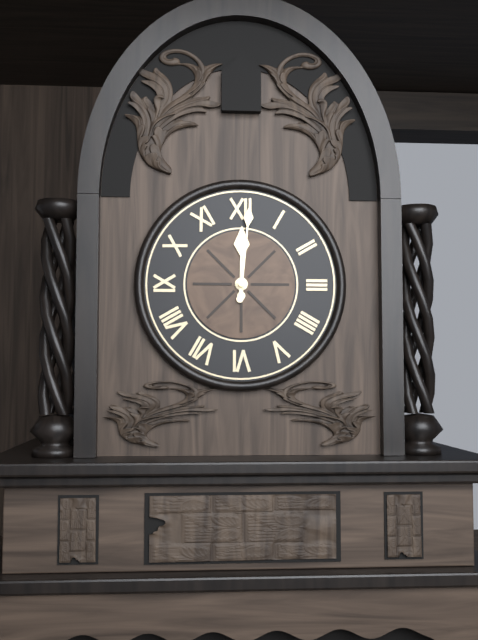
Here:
h=12 m=1
